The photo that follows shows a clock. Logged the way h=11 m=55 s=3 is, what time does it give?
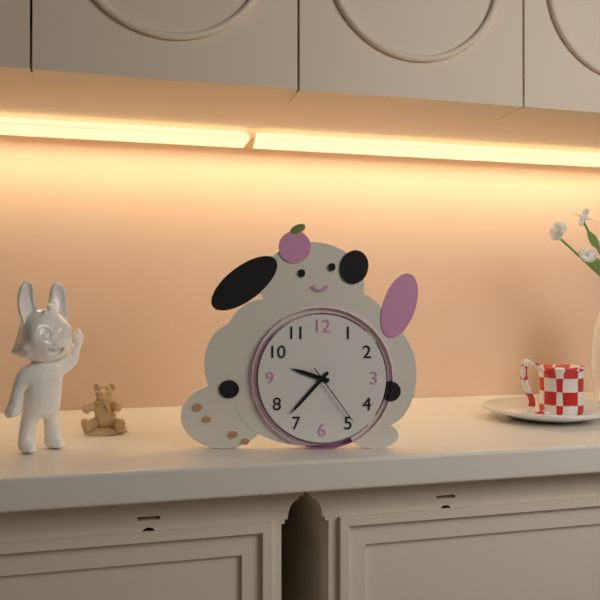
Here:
h=9 m=37 s=24
